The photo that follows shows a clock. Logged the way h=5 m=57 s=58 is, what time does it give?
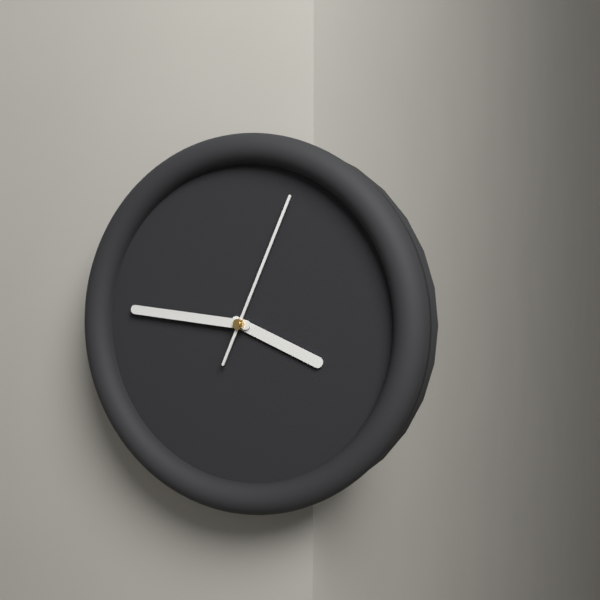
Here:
h=3 m=46 s=4
